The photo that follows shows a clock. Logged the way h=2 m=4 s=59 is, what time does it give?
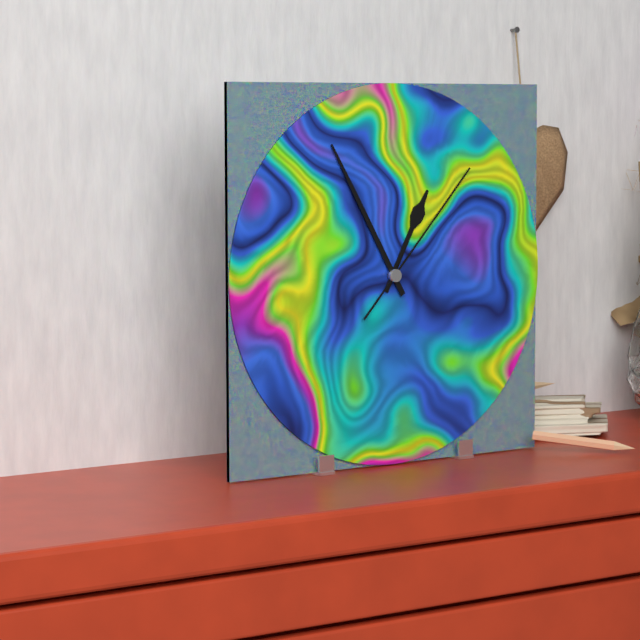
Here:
h=12 m=55 s=7
